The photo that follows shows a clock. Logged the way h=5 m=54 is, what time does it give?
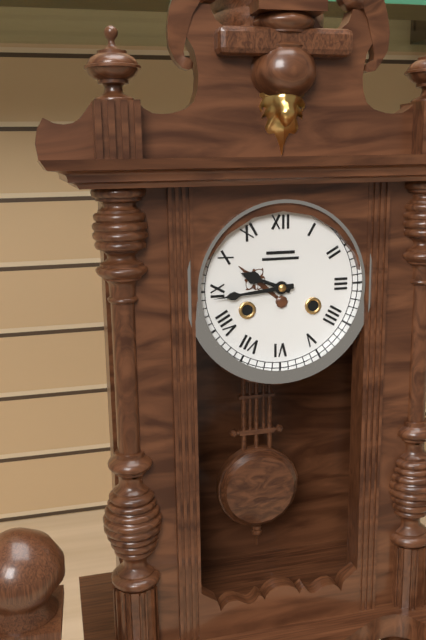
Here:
h=9 m=44
